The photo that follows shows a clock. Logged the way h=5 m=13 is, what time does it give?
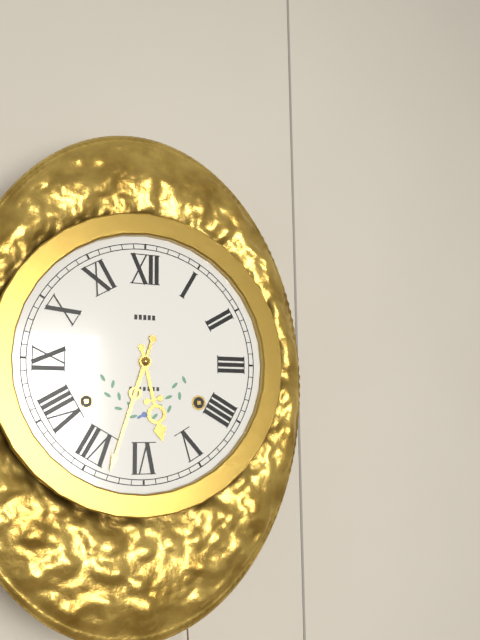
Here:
h=5 m=33
